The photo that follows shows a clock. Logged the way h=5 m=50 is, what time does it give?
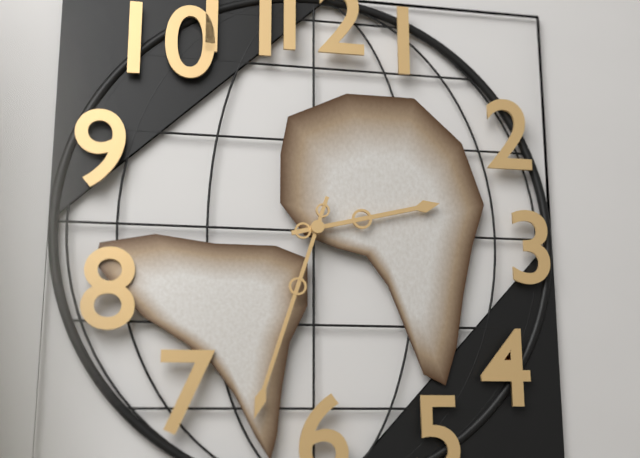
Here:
h=2 m=33
